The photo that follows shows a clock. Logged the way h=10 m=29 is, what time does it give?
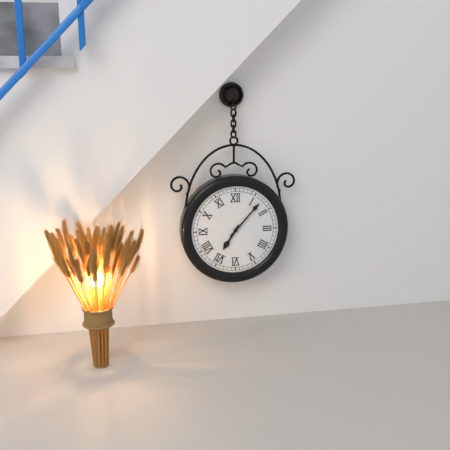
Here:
h=7 m=7
